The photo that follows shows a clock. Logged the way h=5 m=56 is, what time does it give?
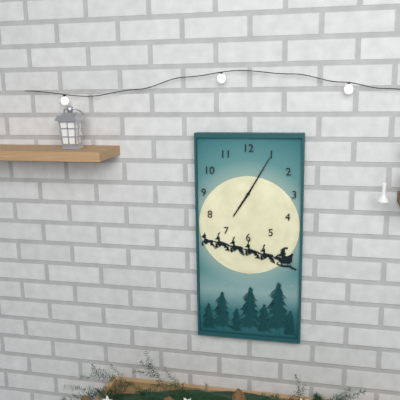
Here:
h=7 m=5
